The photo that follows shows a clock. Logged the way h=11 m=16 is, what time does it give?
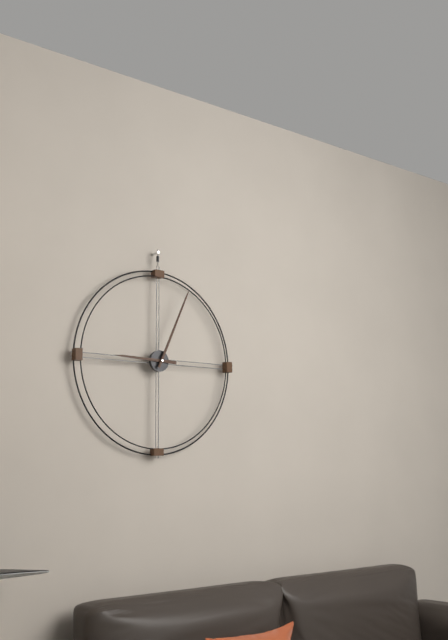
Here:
h=9 m=4
